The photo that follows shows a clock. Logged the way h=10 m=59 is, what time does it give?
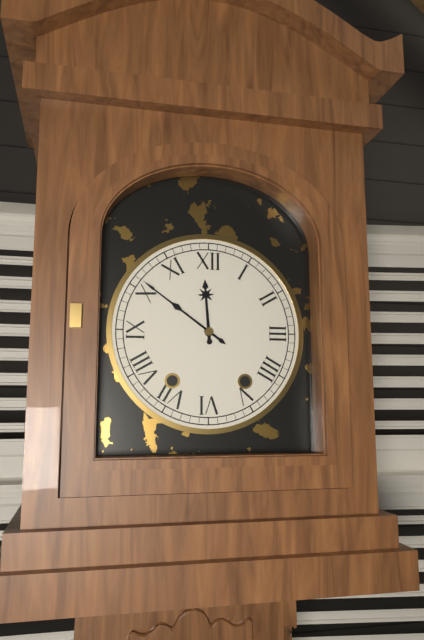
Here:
h=11 m=51
